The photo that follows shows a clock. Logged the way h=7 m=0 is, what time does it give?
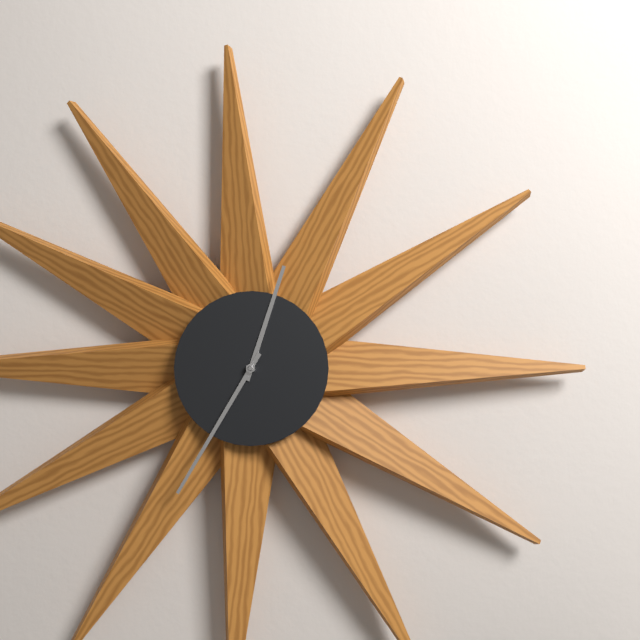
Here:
h=12 m=35
